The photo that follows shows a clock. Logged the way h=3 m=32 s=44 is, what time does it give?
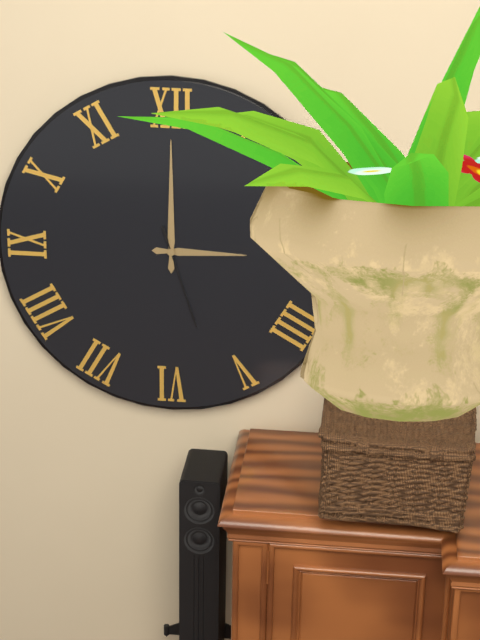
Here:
h=3 m=0 s=27
